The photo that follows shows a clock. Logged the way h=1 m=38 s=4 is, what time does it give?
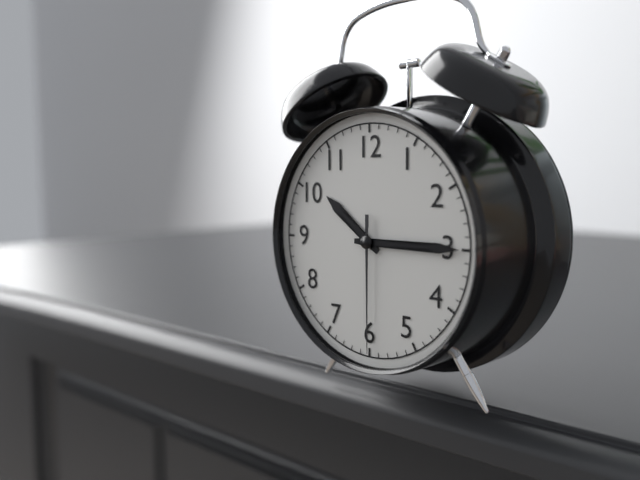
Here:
h=10 m=15 s=30
